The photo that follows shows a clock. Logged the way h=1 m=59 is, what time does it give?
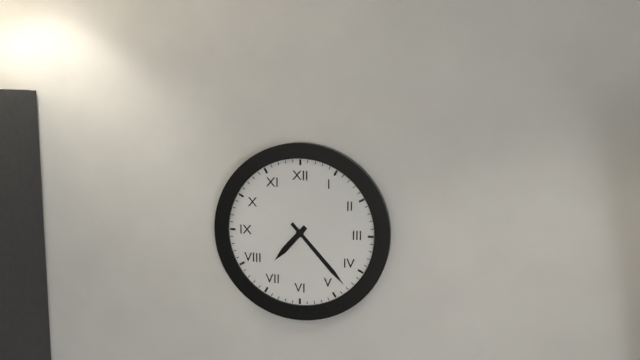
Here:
h=7 m=23
